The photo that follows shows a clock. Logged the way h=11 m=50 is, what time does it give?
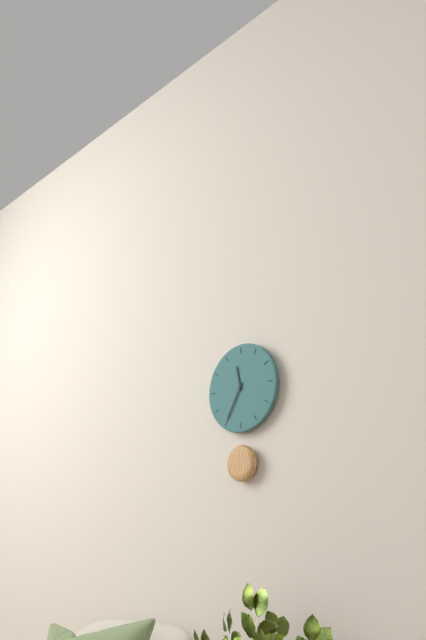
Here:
h=11 m=35
